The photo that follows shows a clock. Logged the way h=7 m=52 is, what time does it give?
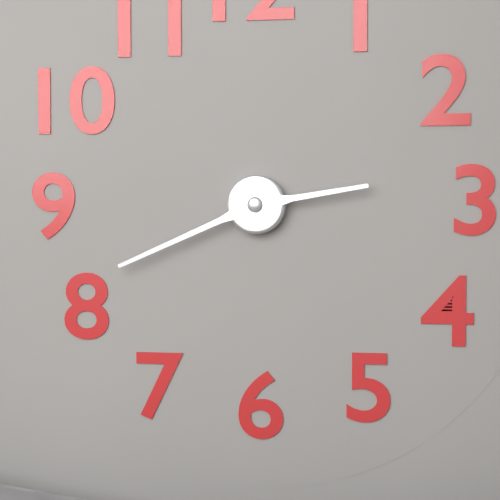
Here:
h=2 m=41
